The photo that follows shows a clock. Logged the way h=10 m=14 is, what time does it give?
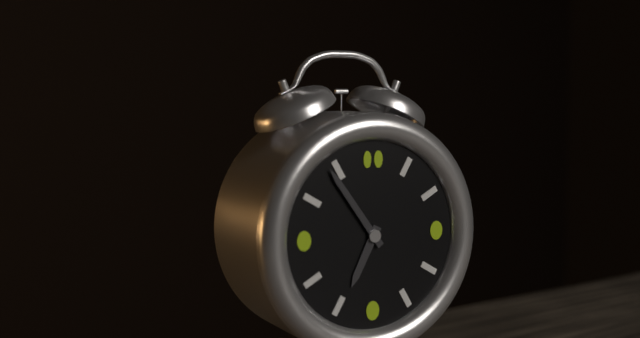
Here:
h=6 m=54
